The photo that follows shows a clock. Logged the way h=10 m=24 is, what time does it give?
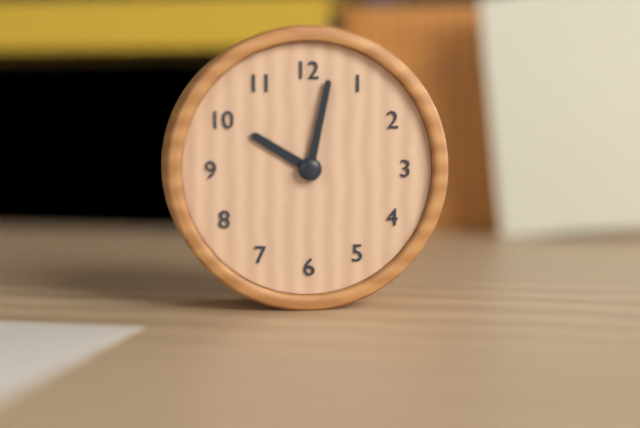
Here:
h=10 m=2
